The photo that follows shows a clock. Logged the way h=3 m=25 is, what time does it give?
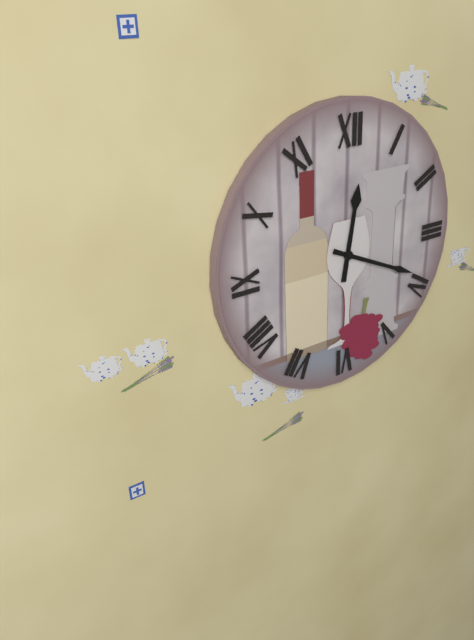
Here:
h=12 m=19
